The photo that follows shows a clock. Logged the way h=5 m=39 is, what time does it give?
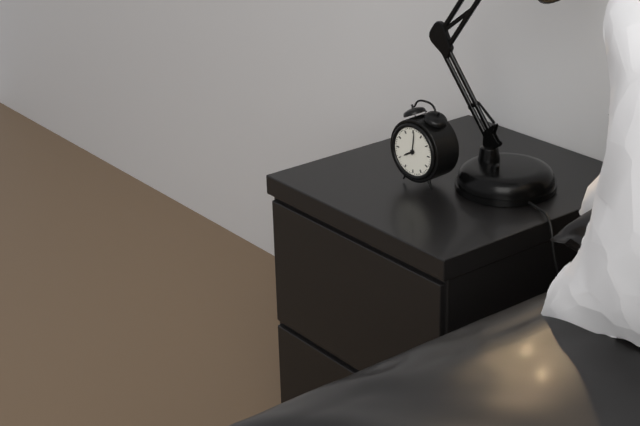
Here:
h=8 m=1
